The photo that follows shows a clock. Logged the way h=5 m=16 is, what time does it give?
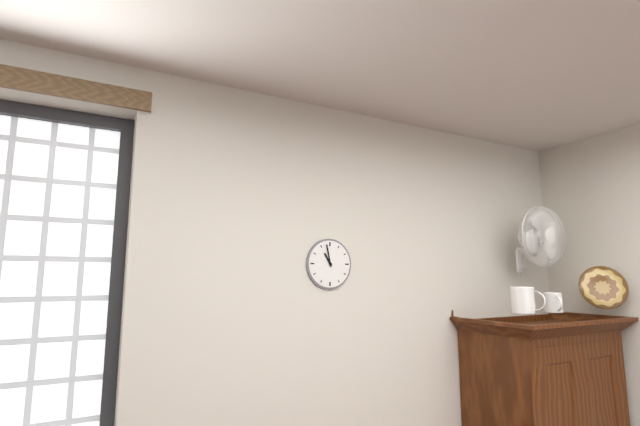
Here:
h=10 m=58
